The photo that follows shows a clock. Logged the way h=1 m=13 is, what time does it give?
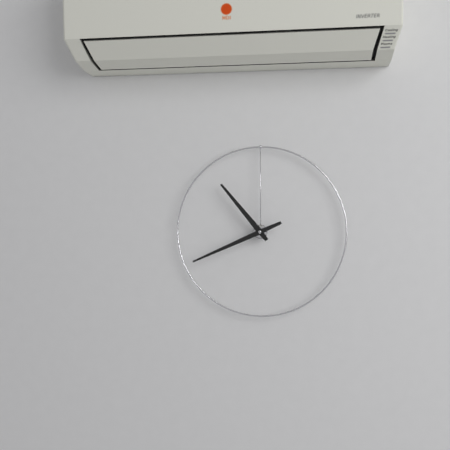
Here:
h=10 m=41
